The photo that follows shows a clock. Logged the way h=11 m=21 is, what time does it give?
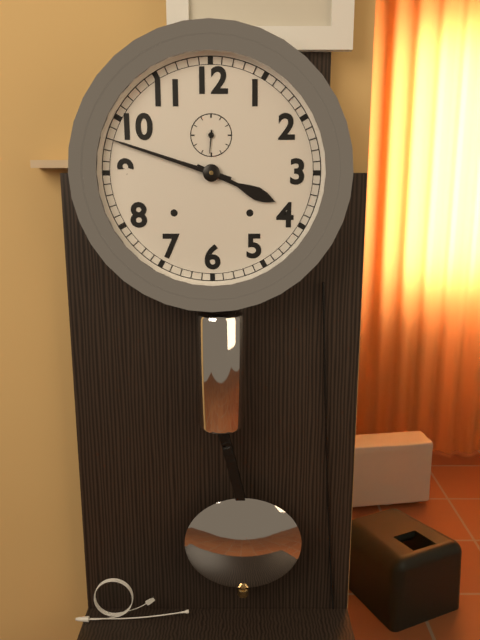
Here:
h=3 m=48
